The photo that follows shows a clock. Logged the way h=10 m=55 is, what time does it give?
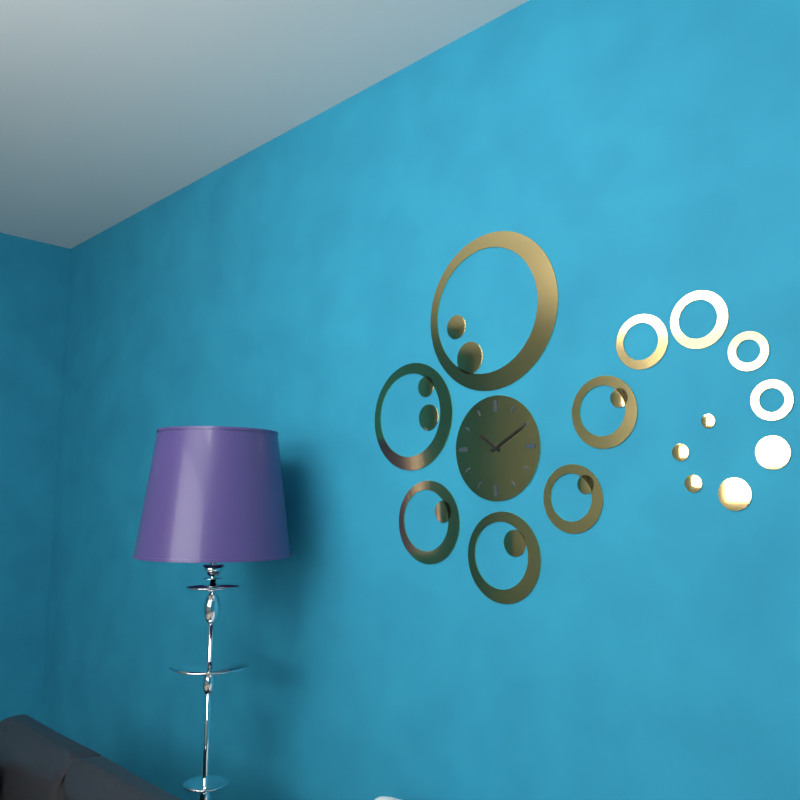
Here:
h=10 m=10
